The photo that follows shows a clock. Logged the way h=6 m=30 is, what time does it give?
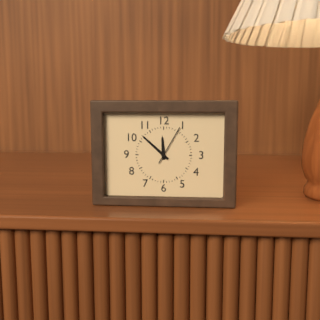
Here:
h=11 m=52
